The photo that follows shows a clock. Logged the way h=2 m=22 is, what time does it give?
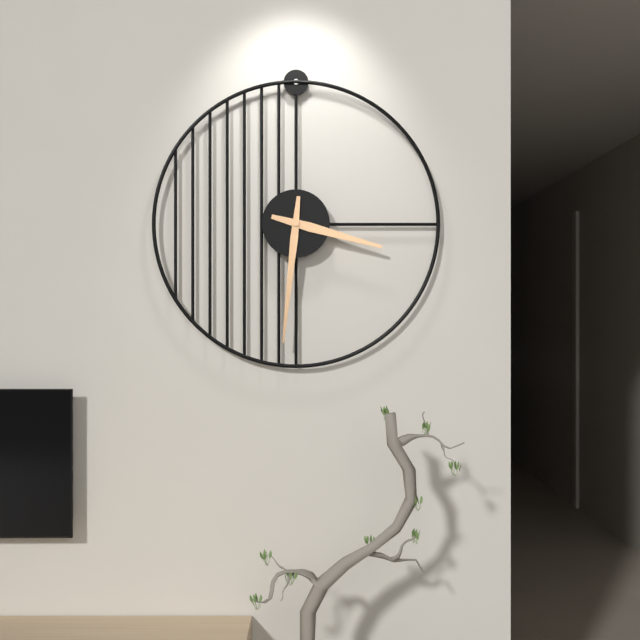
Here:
h=3 m=31
